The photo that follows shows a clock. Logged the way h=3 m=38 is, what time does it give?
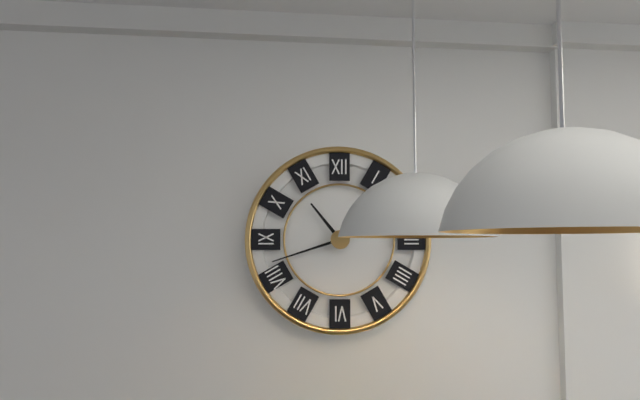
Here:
h=10 m=42
